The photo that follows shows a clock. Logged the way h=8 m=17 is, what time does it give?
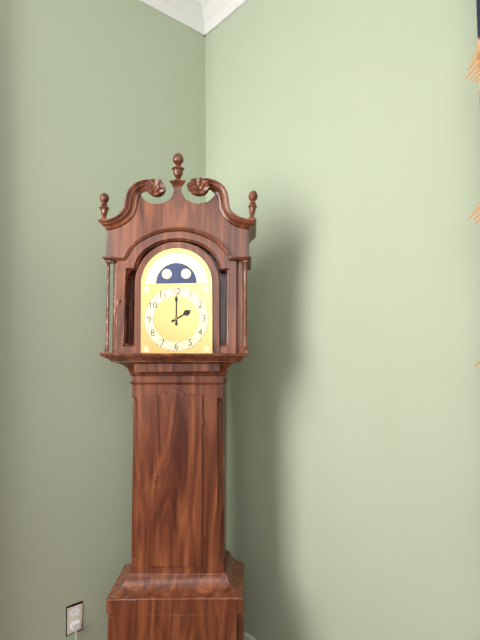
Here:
h=2 m=0
